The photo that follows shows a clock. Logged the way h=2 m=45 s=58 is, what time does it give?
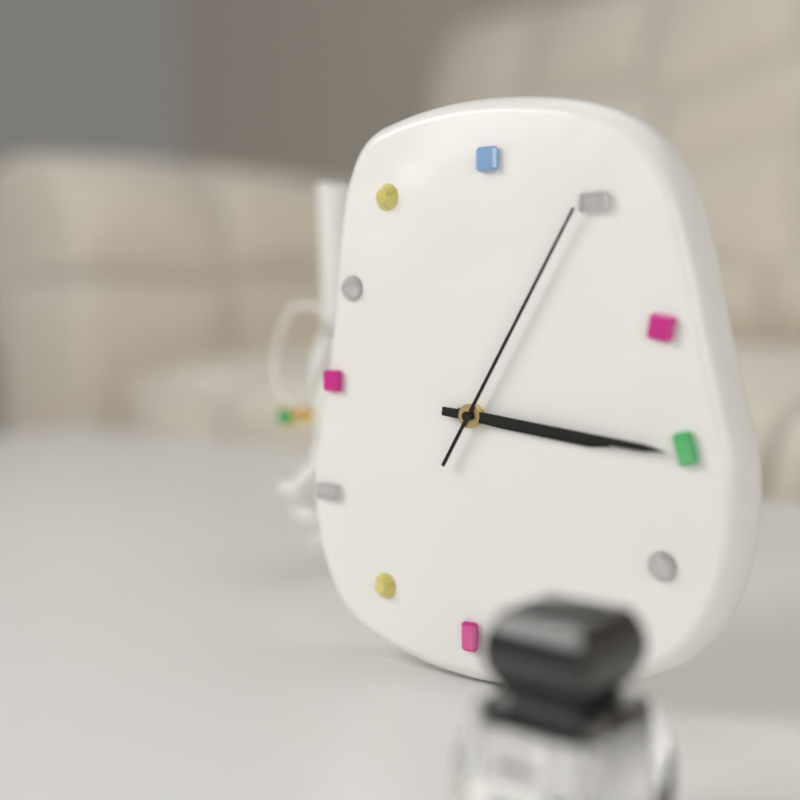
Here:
h=3 m=16 s=5
